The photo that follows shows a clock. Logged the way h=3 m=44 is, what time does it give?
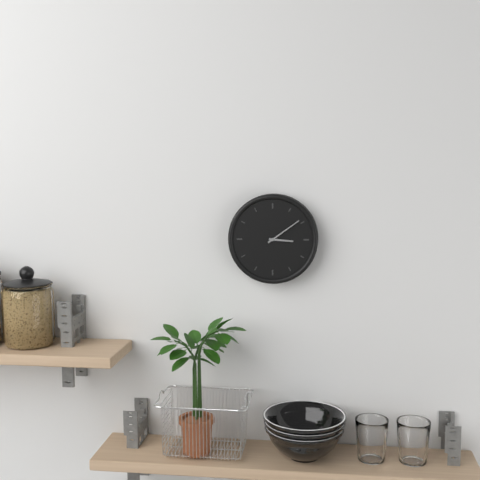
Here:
h=3 m=9
